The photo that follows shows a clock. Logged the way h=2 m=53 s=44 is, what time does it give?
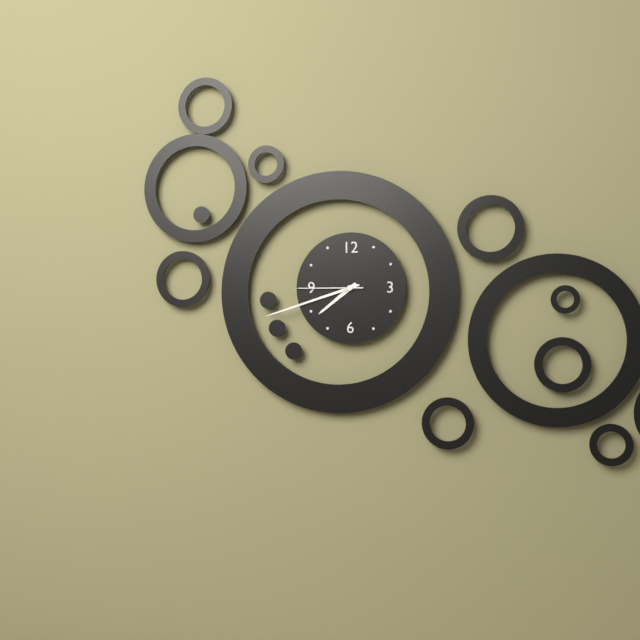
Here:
h=7 m=42 s=45
